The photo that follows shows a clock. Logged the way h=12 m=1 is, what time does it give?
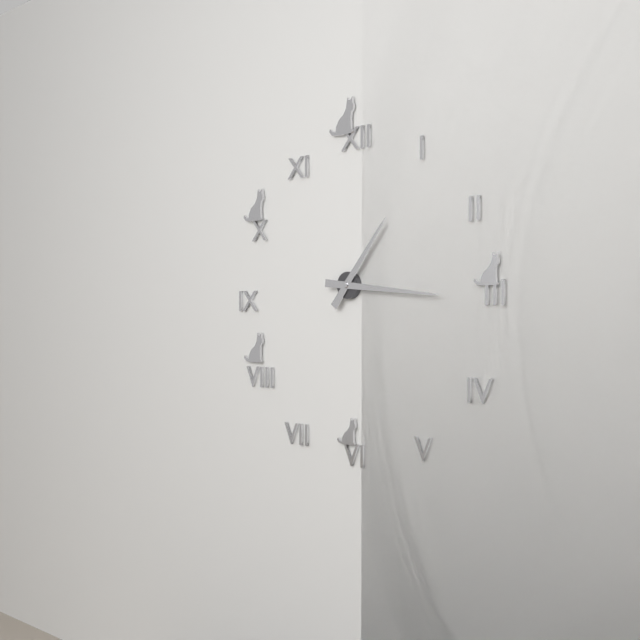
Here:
h=1 m=16
